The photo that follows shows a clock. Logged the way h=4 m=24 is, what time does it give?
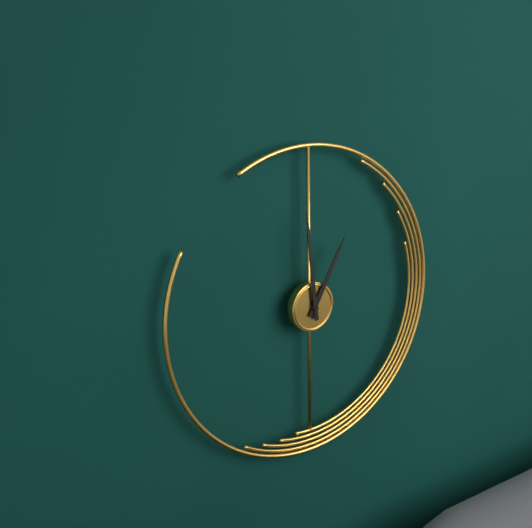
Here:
h=12 m=59
